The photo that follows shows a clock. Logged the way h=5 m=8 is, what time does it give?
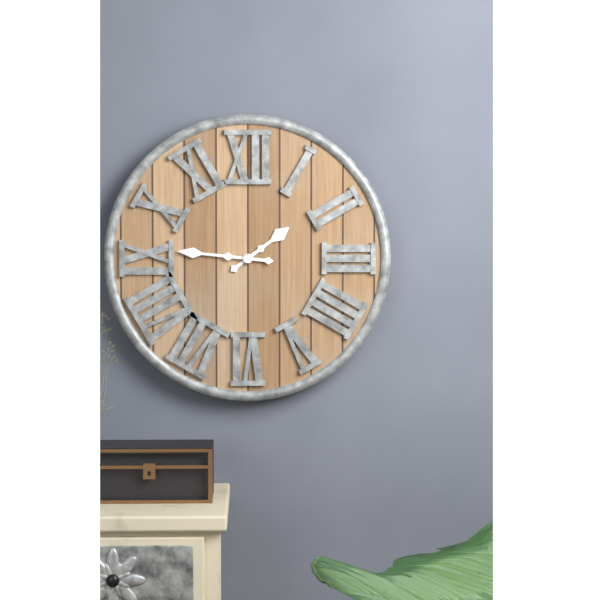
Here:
h=1 m=46
